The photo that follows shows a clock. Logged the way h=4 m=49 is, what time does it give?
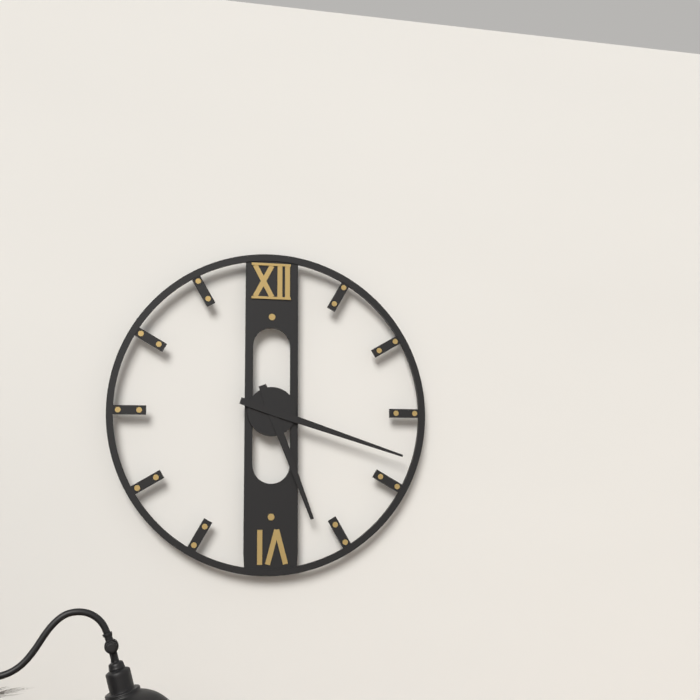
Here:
h=5 m=18
